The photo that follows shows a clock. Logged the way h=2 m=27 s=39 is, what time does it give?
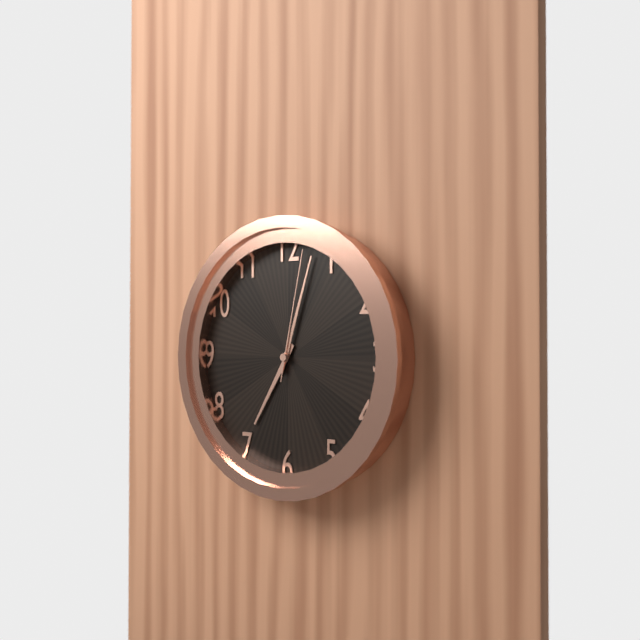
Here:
h=7 m=3 s=2
